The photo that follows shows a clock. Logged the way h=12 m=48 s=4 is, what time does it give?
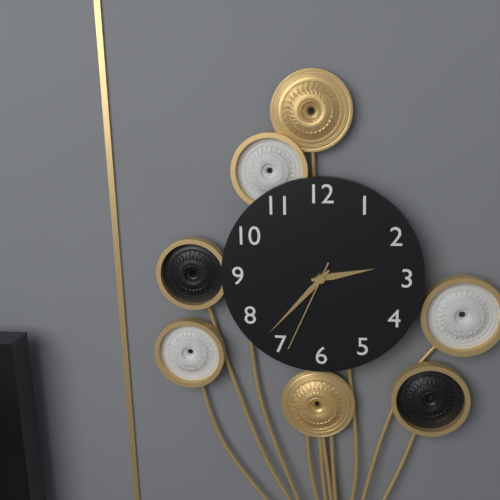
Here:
h=2 m=37 s=34
